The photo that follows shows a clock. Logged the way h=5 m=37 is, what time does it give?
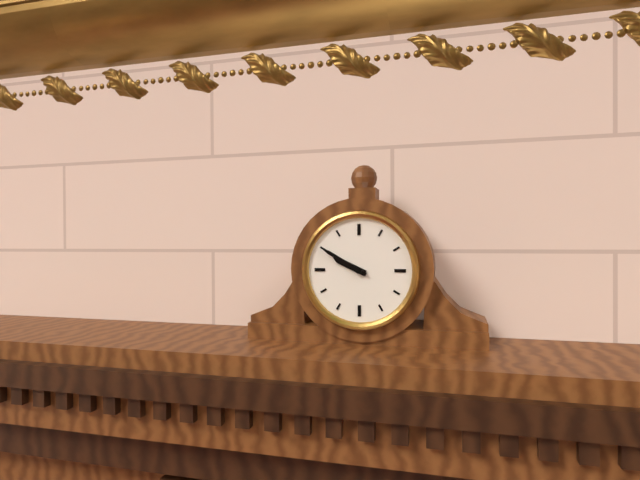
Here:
h=9 m=50
